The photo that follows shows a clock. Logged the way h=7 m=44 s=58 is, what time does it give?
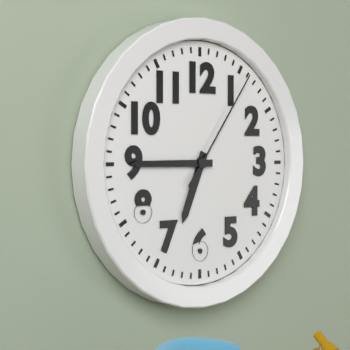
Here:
h=6 m=45 s=6
